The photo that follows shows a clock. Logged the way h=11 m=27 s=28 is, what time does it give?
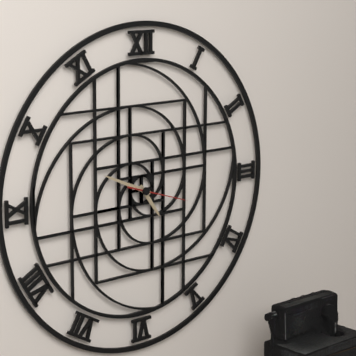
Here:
h=4 m=49 s=18
